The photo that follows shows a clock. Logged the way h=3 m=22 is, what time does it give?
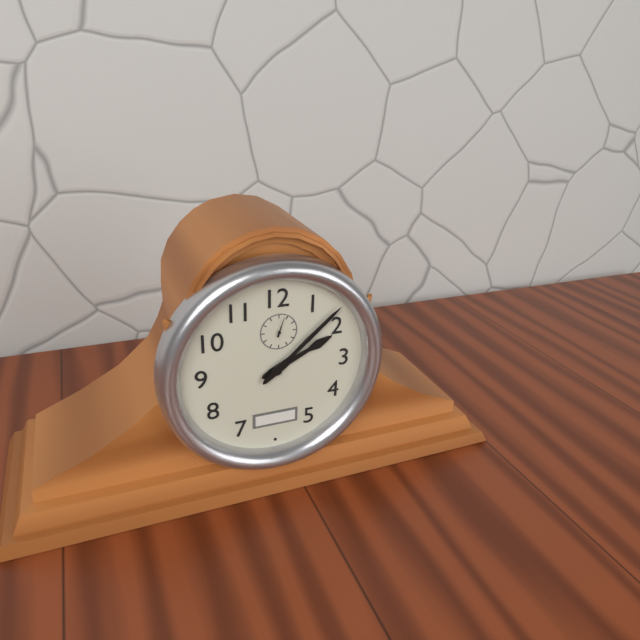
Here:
h=2 m=8
